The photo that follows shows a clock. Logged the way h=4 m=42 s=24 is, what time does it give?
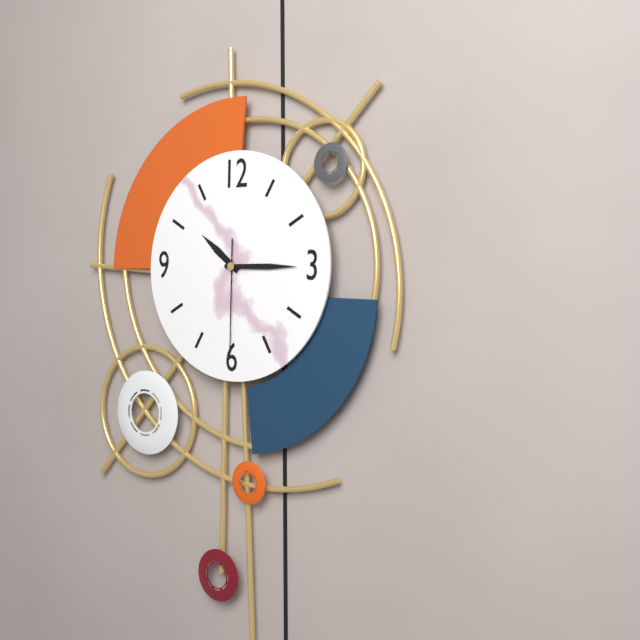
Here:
h=10 m=15 s=30
